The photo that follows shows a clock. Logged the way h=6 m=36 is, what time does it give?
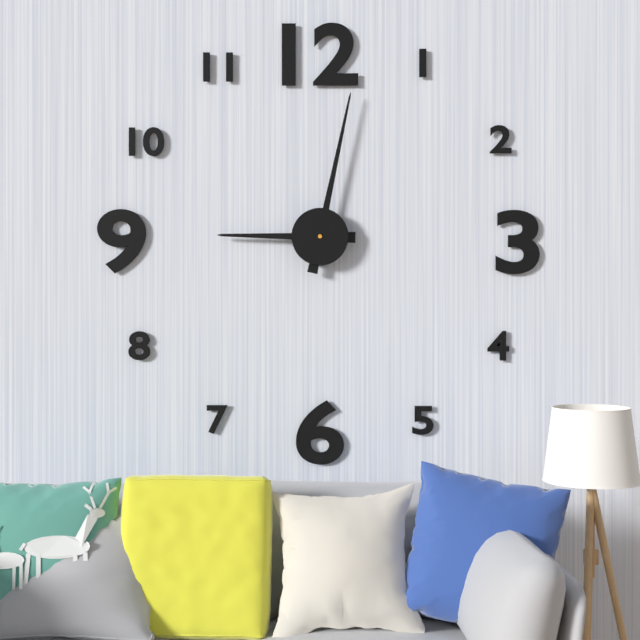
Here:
h=9 m=2
